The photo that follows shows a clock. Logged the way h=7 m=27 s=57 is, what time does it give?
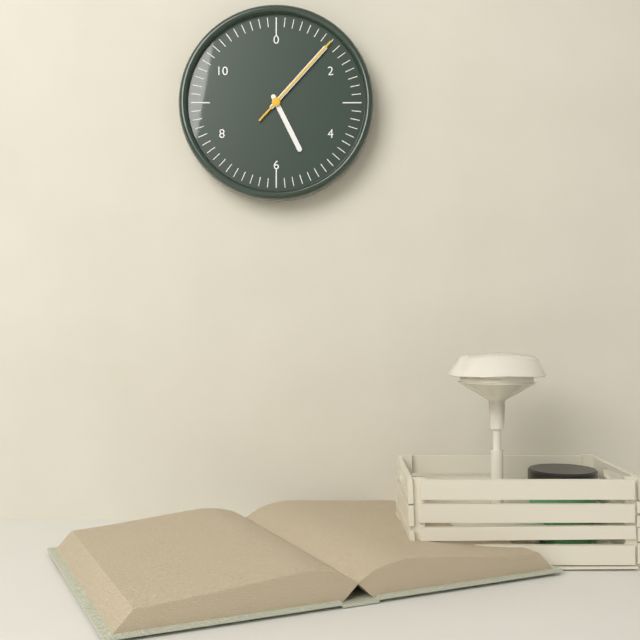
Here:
h=5 m=7 s=7
